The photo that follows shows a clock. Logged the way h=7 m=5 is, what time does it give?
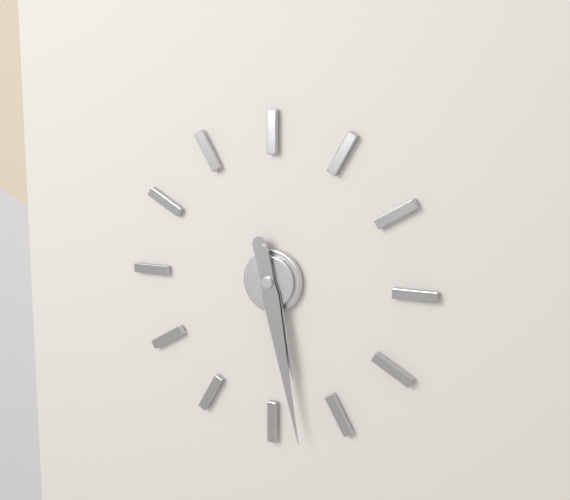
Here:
h=5 m=28
